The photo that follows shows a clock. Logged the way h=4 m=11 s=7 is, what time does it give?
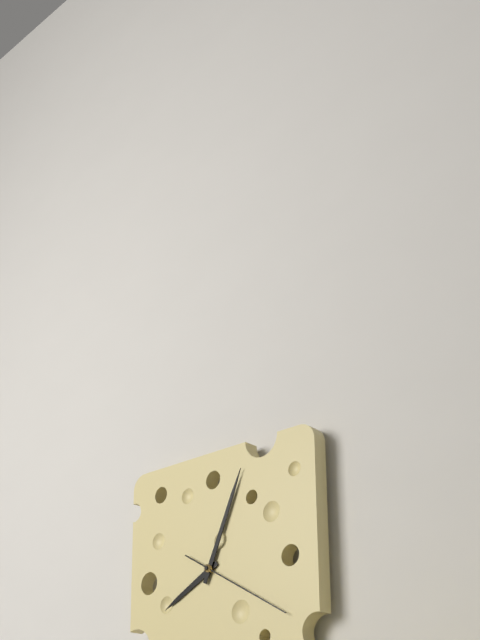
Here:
h=8 m=4 s=20
